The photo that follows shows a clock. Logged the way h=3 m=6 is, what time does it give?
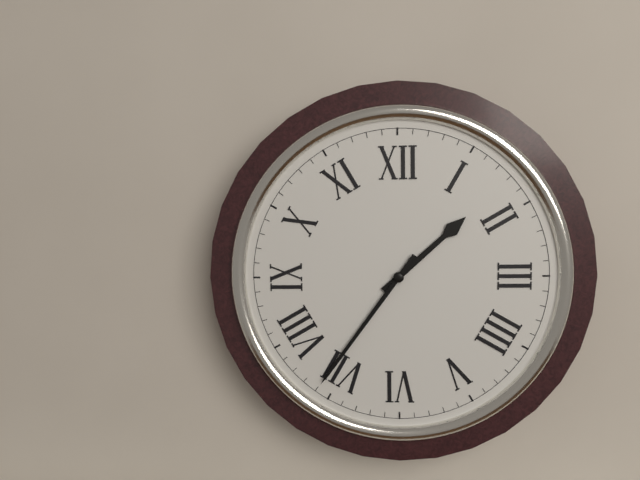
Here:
h=1 m=36
